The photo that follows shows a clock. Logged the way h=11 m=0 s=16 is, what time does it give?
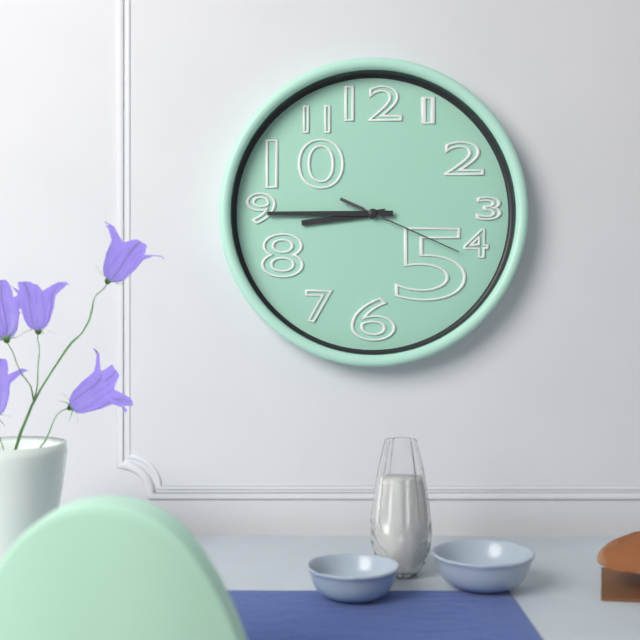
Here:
h=8 m=45 s=19
